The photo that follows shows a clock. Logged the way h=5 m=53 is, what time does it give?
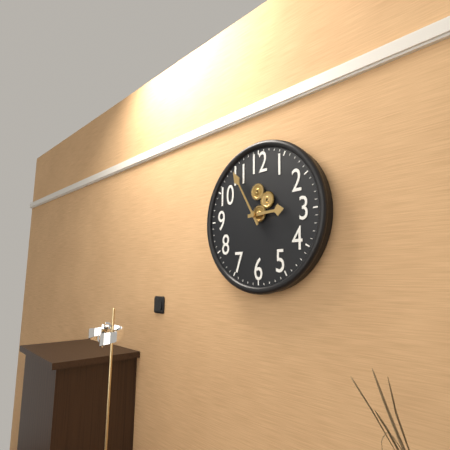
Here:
h=2 m=55
